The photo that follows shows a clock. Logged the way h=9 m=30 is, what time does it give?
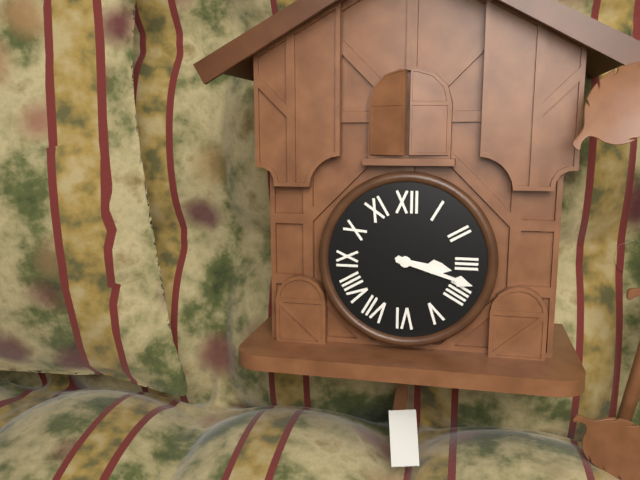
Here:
h=3 m=18
